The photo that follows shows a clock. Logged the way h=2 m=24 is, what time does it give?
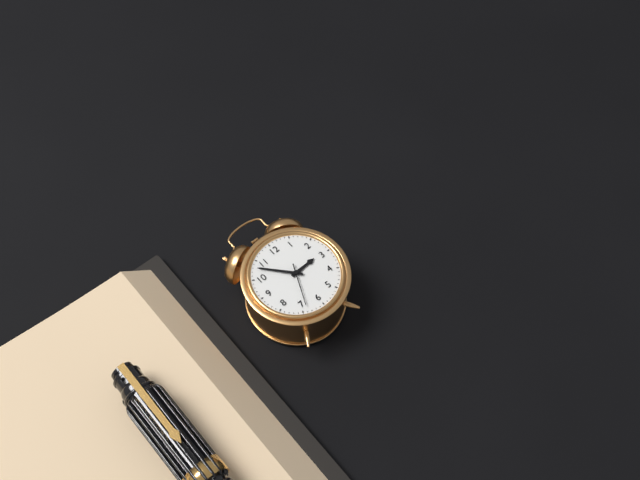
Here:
h=2 m=53
